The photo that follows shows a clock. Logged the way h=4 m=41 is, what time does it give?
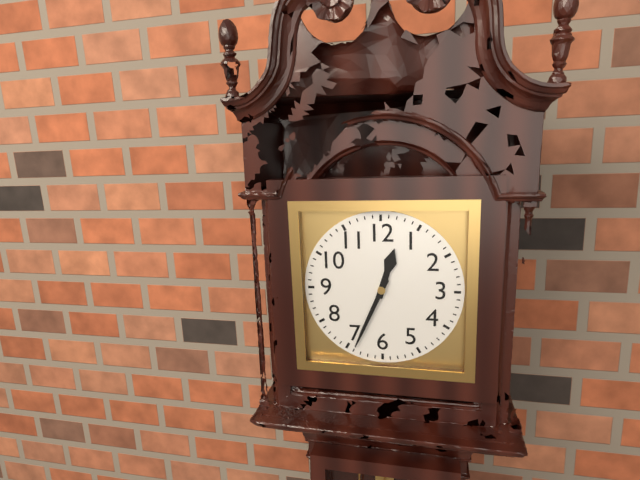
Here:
h=12 m=34
